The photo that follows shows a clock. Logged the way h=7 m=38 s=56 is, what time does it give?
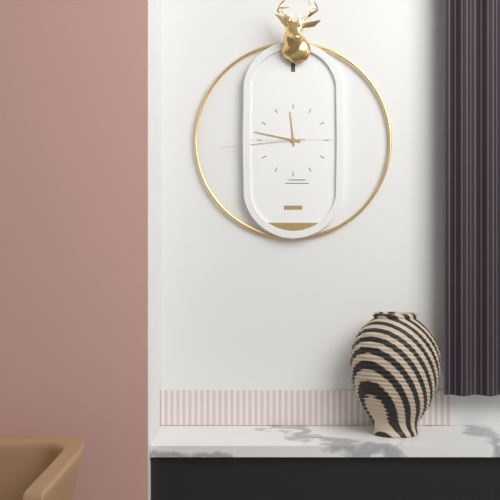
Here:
h=11 m=47 s=44
